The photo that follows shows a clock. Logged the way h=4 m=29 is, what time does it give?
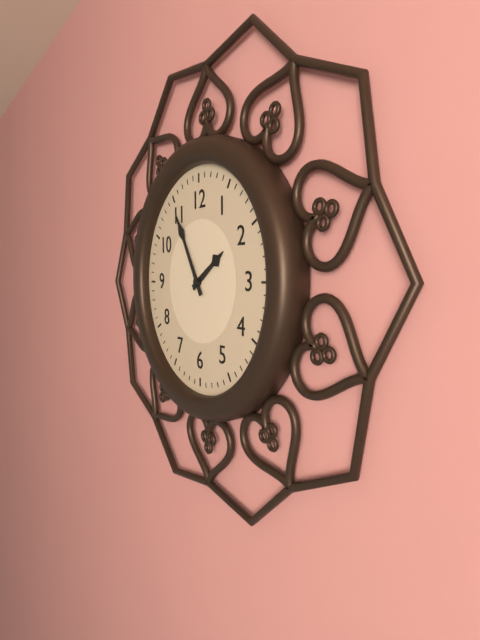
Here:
h=1 m=55
